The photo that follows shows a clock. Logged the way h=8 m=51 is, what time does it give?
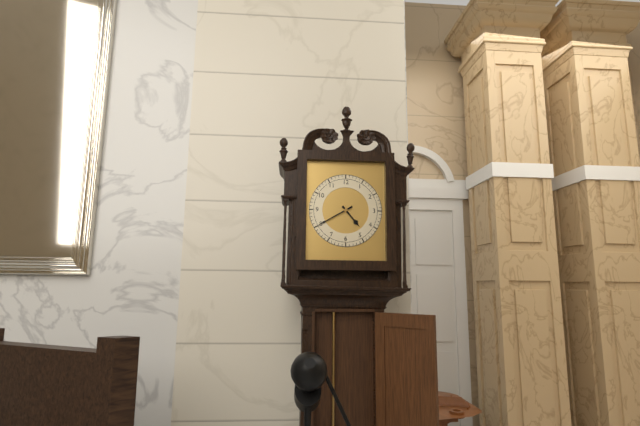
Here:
h=4 m=40
